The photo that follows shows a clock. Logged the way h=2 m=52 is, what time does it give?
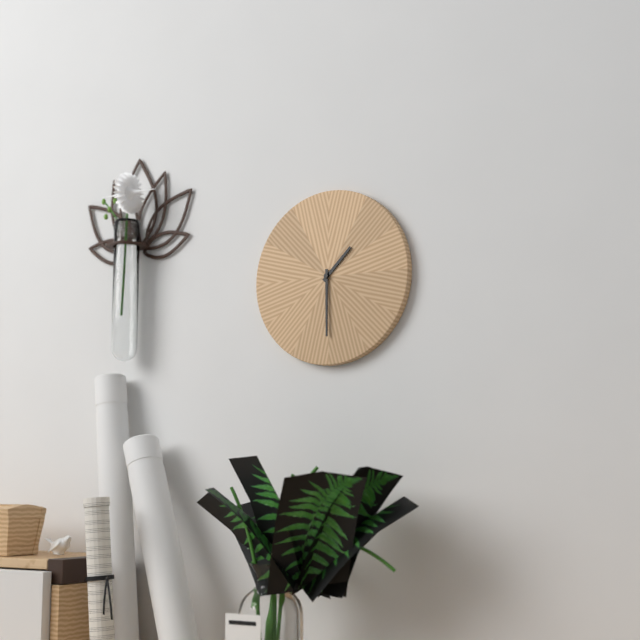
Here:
h=1 m=30
